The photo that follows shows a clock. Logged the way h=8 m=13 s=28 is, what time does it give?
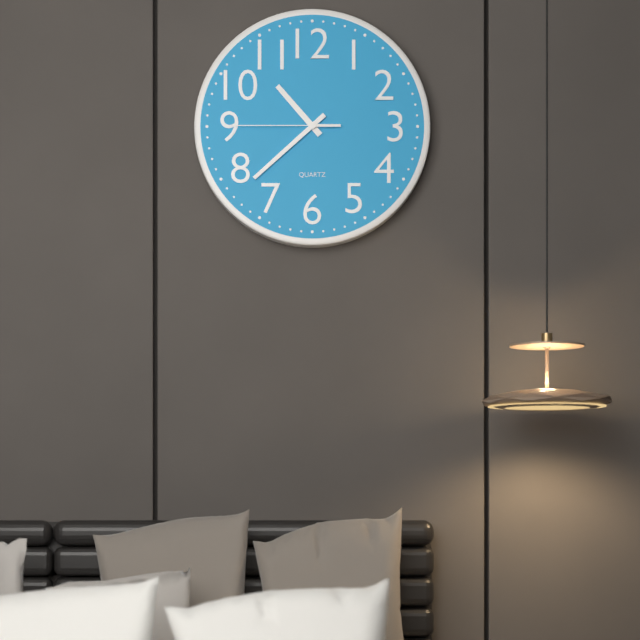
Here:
h=10 m=38 s=45
